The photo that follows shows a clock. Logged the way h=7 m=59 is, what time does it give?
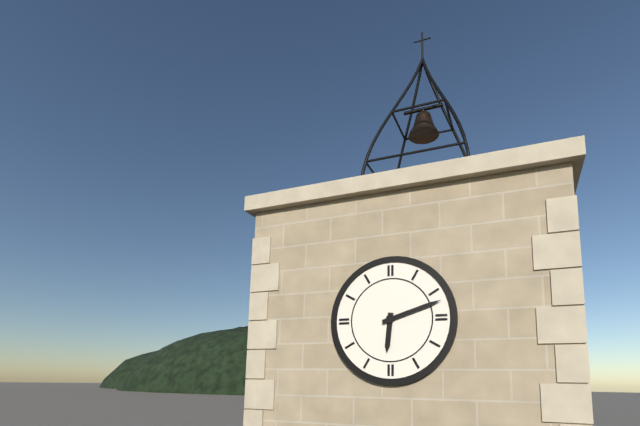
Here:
h=6 m=12
